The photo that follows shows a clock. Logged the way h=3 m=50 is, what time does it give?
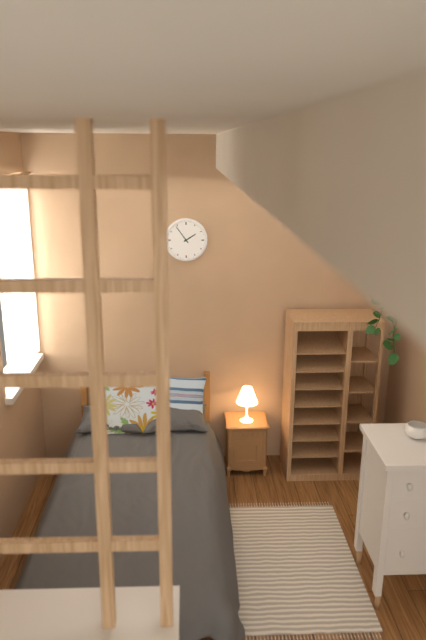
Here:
h=1 m=54
